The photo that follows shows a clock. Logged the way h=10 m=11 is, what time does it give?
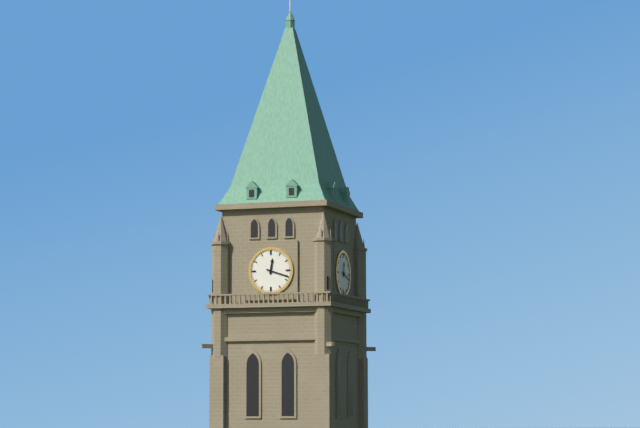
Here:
h=12 m=18
